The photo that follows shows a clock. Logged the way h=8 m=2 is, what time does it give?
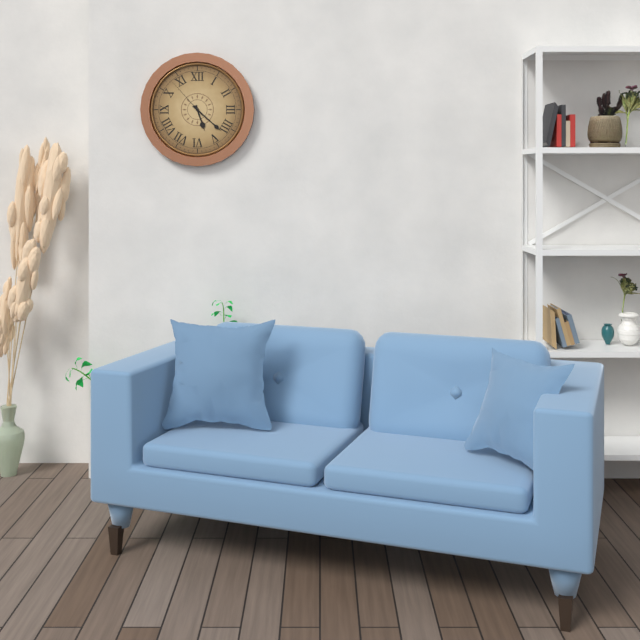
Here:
h=5 m=22
